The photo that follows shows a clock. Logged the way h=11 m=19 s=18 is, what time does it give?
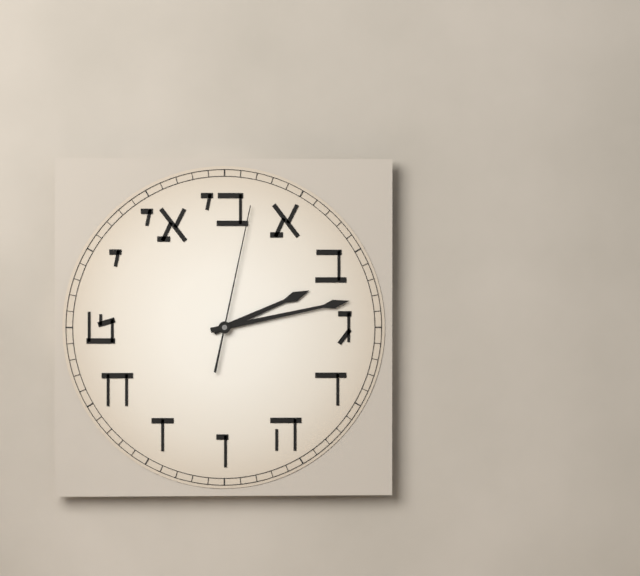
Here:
h=2 m=13 s=2
